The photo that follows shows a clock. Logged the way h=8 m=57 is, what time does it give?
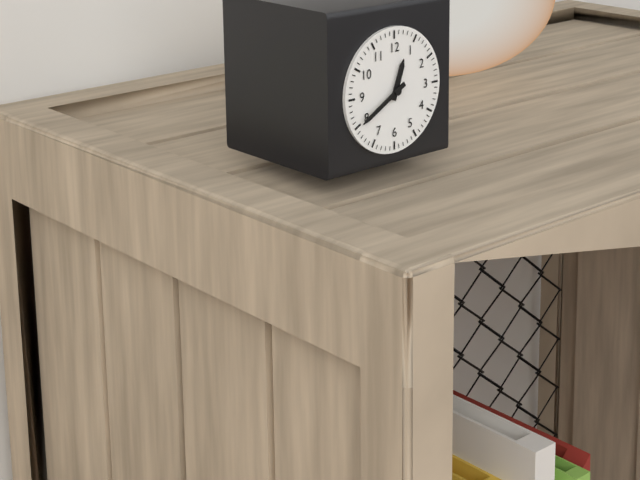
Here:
h=12 m=40
